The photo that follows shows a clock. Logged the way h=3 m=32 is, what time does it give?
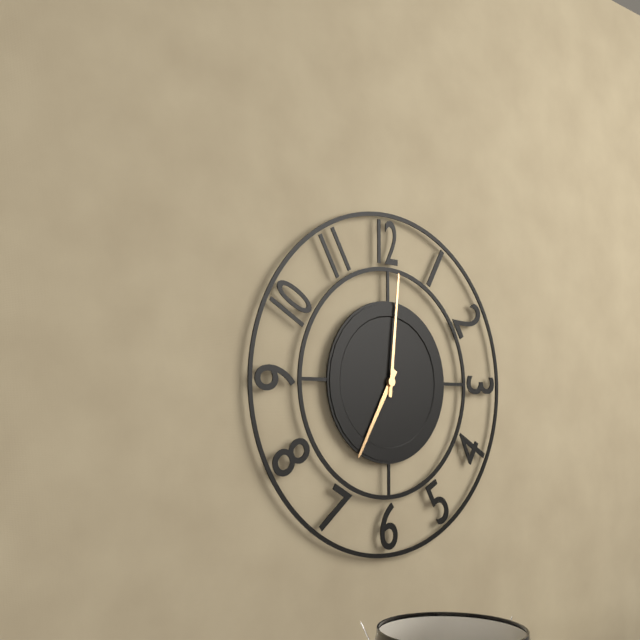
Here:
h=7 m=1
